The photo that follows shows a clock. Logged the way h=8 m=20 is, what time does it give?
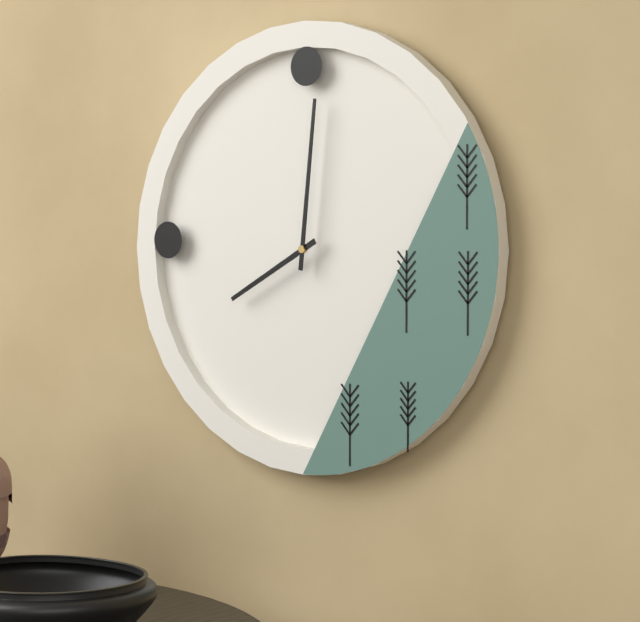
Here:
h=8 m=1
